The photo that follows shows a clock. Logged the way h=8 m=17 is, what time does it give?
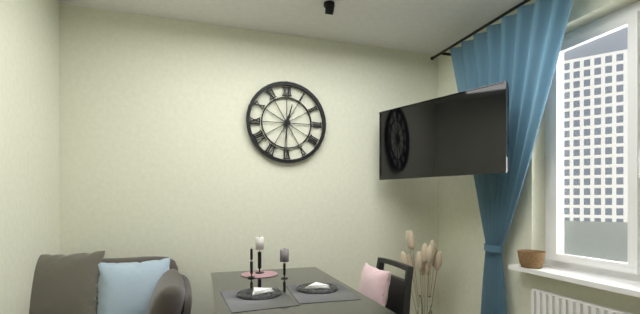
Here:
h=12 m=31
